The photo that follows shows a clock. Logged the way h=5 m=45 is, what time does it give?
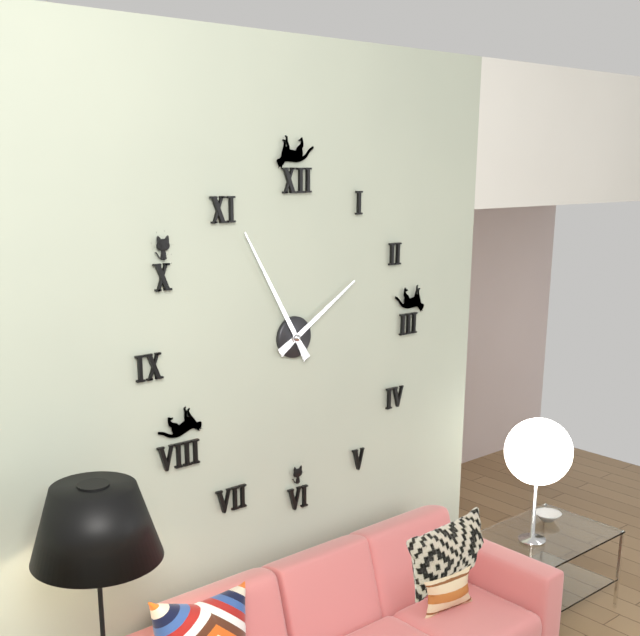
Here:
h=1 m=55
